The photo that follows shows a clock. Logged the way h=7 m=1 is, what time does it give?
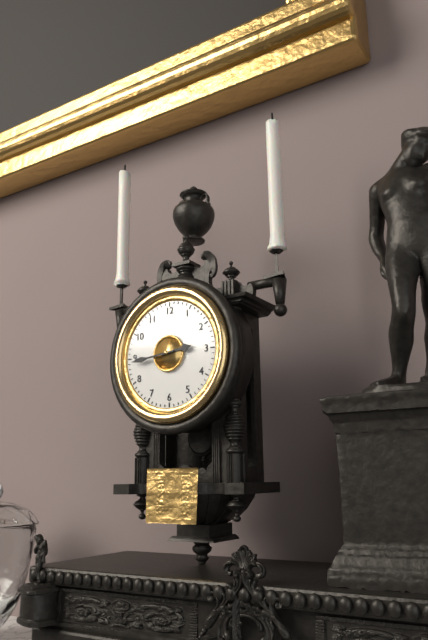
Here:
h=2 m=44
